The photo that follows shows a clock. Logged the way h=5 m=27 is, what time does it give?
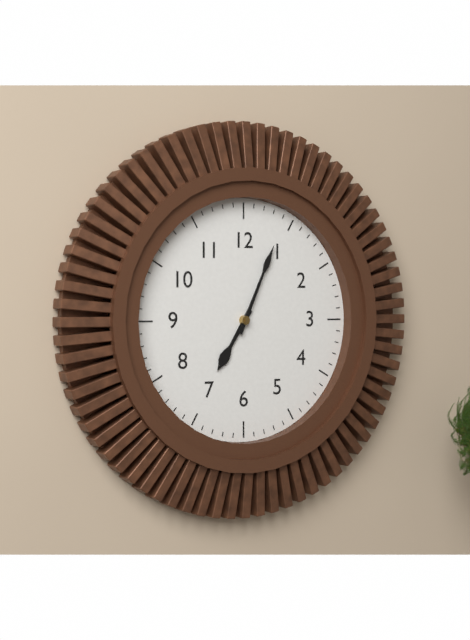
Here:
h=7 m=4
